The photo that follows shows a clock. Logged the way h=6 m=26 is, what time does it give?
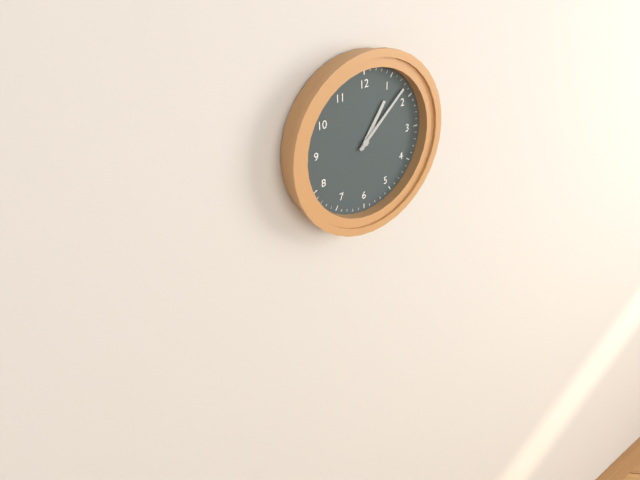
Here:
h=1 m=8
